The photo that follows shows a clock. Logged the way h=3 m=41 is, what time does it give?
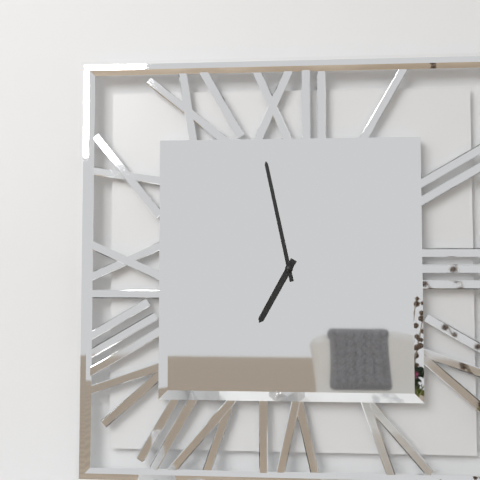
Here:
h=6 m=58
